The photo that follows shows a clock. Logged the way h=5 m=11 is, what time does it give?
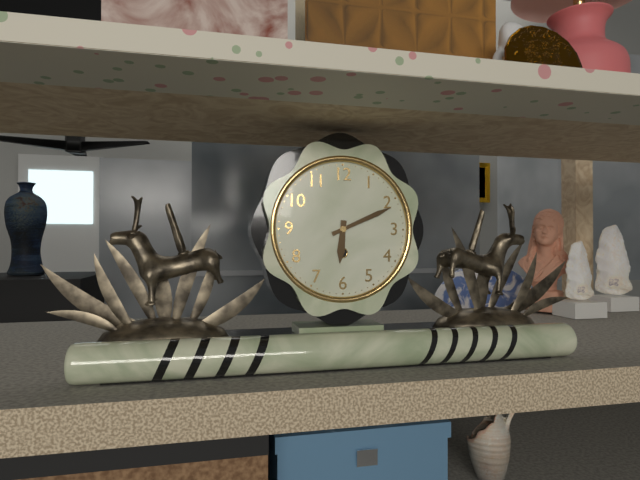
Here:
h=6 m=11
